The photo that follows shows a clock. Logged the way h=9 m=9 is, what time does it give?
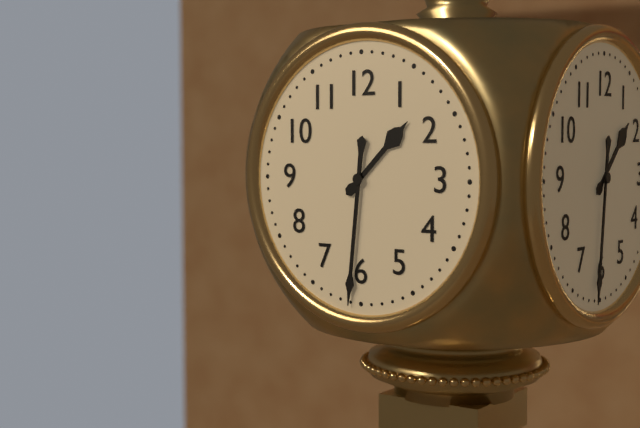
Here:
h=1 m=31
